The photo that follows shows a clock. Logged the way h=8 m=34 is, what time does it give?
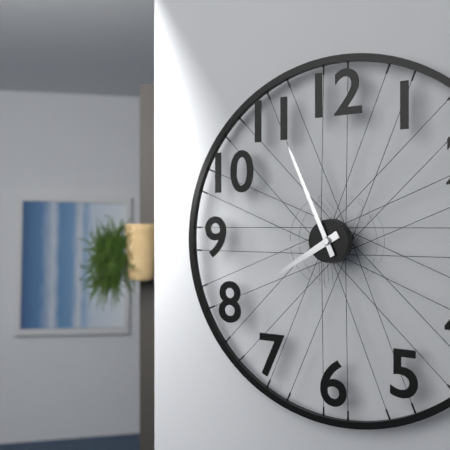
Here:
h=7 m=56
